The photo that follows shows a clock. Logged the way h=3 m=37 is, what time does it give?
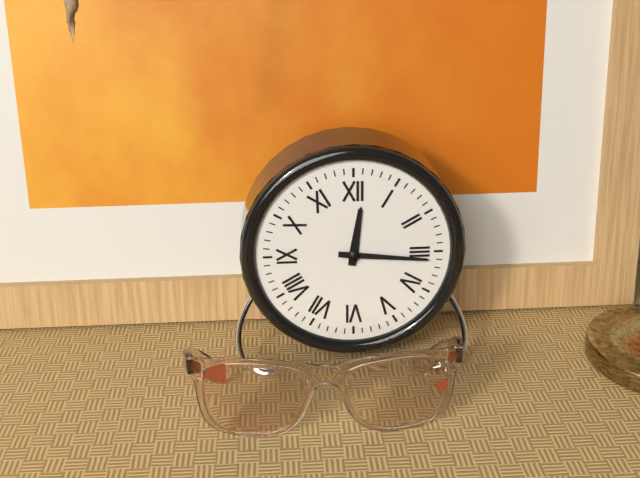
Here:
h=12 m=16
